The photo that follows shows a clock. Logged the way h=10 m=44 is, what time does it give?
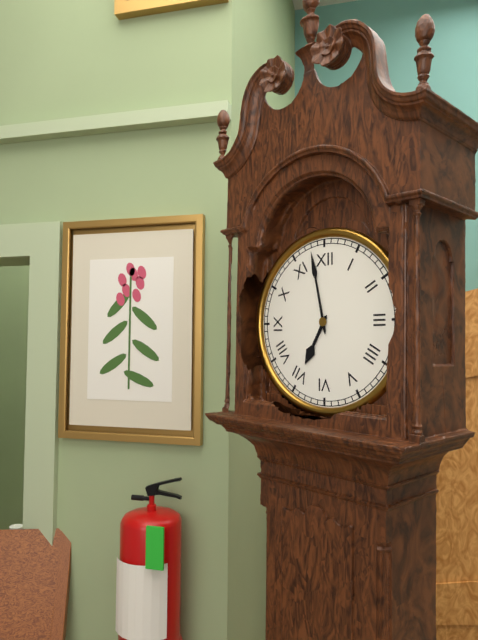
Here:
h=6 m=58
